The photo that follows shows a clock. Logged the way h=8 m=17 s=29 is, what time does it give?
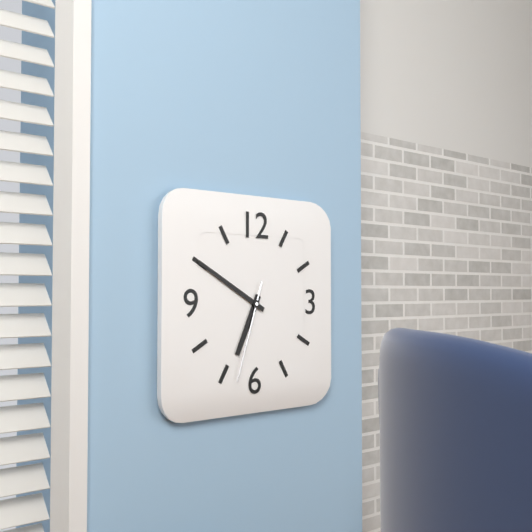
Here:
h=6 m=50 s=33
